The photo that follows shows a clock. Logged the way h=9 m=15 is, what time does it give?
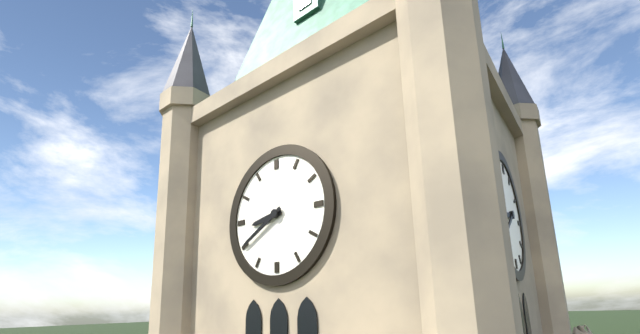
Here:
h=8 m=40
